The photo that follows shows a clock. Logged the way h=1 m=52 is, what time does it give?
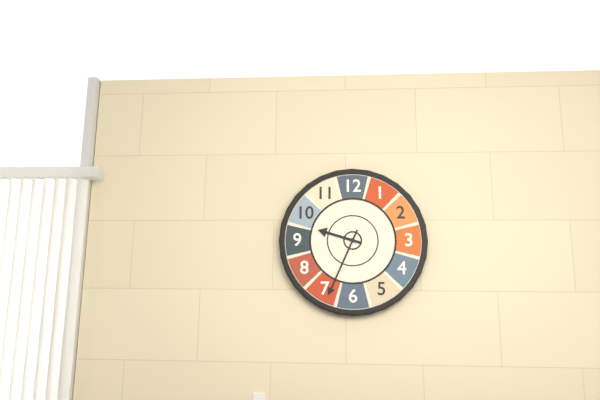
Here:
h=9 m=34
